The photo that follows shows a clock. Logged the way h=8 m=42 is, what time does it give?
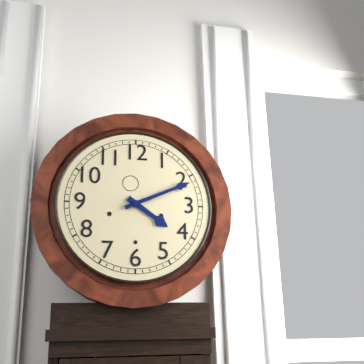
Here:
h=4 m=11
